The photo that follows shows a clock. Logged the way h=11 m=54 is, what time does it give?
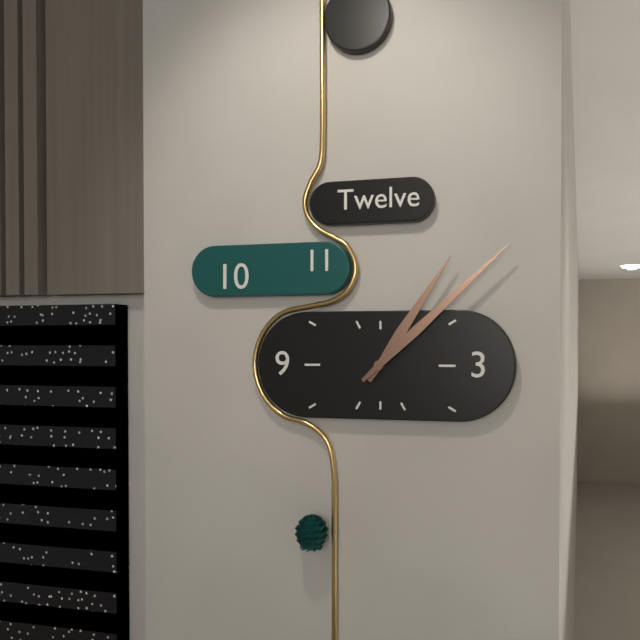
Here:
h=1 m=8
